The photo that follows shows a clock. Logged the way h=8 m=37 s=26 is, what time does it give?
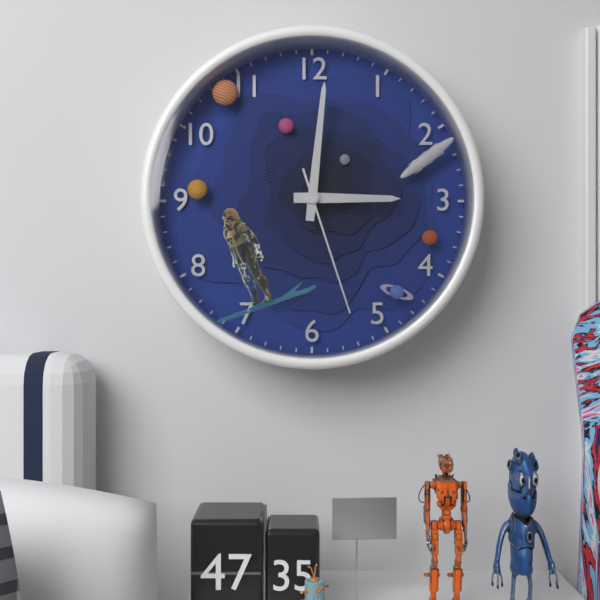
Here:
h=3 m=1 s=27
